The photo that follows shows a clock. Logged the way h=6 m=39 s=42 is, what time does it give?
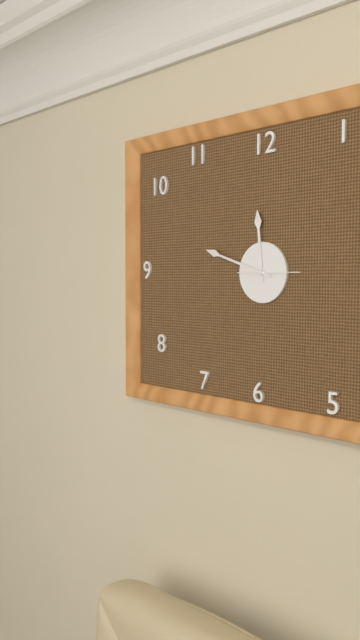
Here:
h=11 m=48 s=15
